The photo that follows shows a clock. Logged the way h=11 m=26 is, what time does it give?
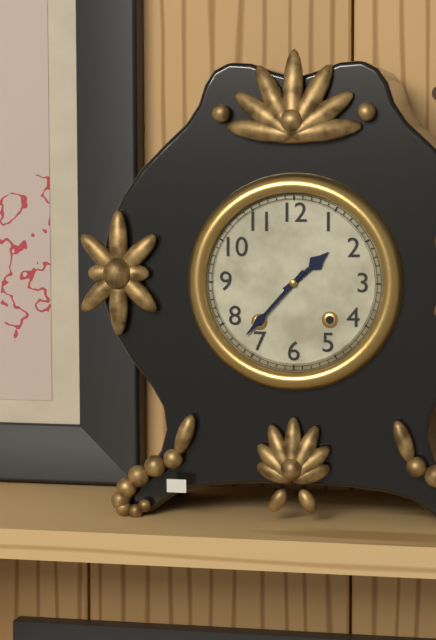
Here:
h=1 m=37
